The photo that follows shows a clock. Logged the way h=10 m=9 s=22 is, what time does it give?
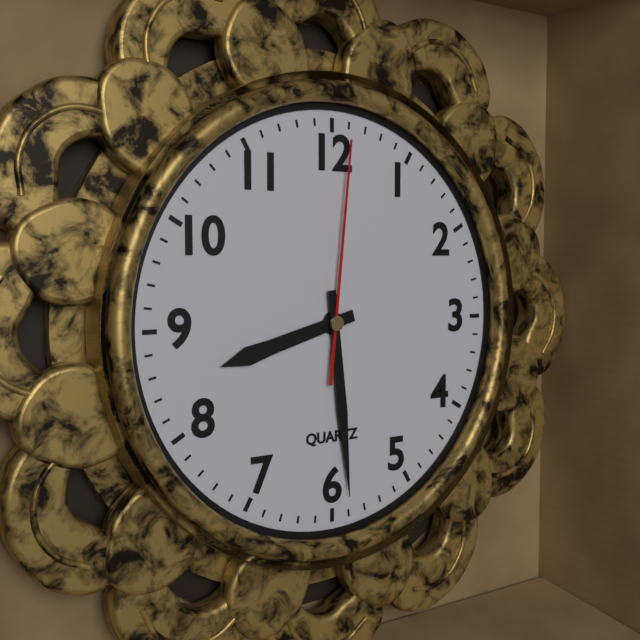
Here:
h=8 m=29 s=1
